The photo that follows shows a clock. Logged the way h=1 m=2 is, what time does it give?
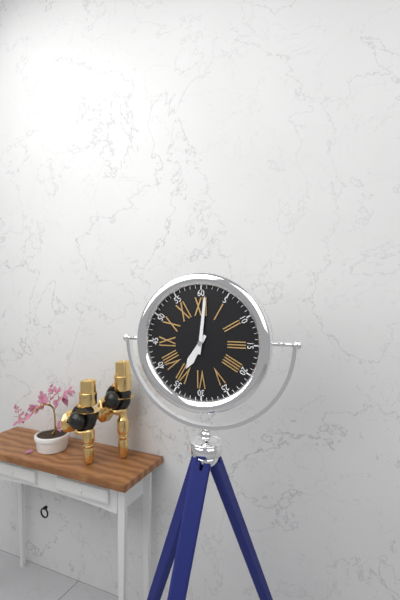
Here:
h=7 m=1
